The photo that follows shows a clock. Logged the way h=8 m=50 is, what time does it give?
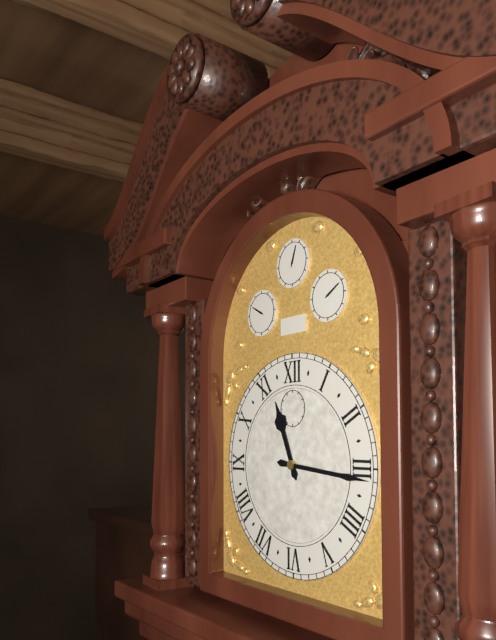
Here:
h=11 m=16
